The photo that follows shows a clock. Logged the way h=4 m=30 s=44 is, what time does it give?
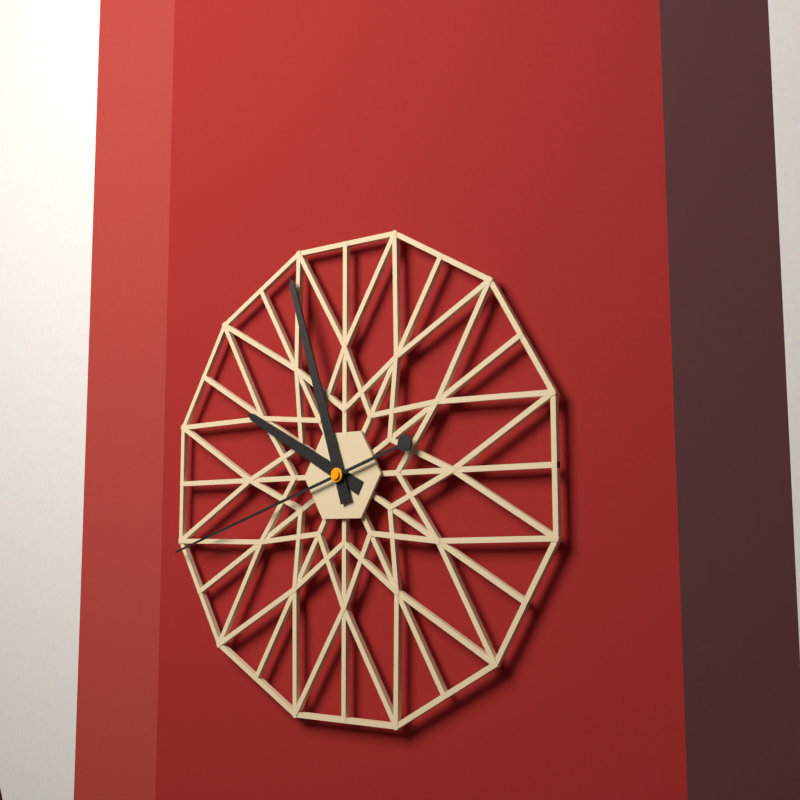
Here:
h=9 m=57 s=42
